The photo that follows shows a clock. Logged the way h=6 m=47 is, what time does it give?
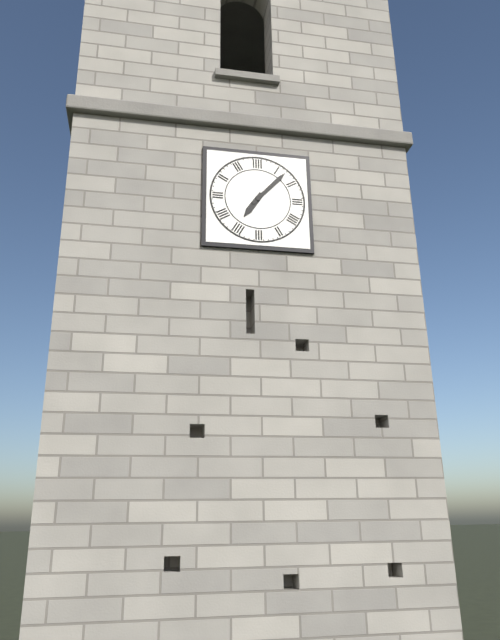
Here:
h=7 m=7
